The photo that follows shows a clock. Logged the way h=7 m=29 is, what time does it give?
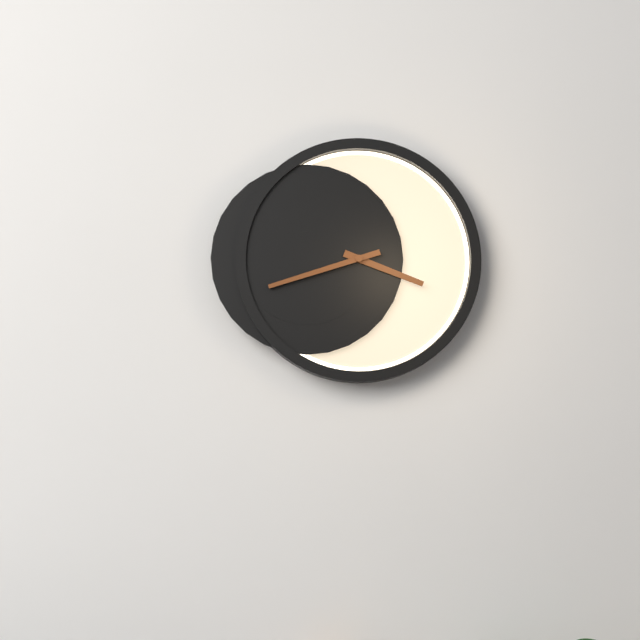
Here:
h=3 m=42
